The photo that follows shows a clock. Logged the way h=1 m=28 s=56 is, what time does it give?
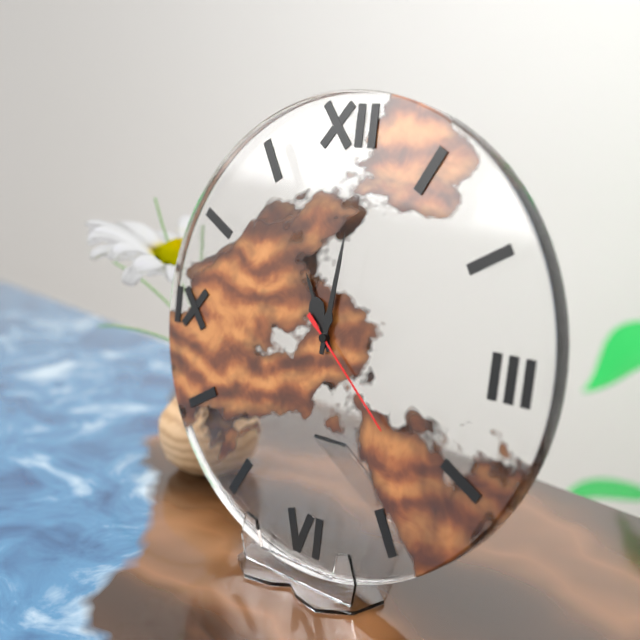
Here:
h=11 m=1 s=22
